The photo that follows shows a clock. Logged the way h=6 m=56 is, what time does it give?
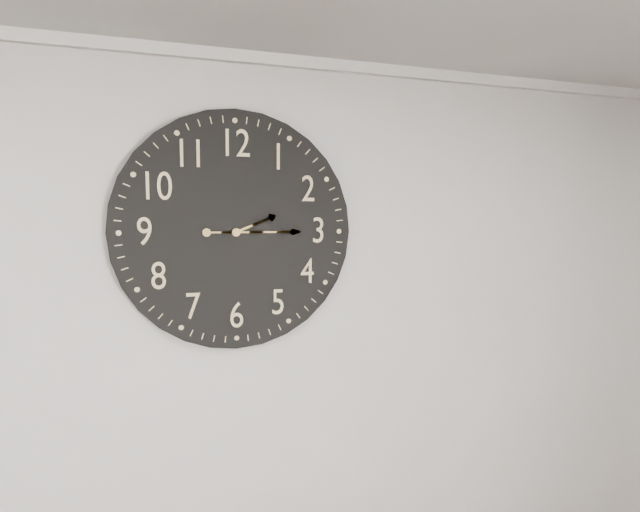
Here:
h=2 m=15
